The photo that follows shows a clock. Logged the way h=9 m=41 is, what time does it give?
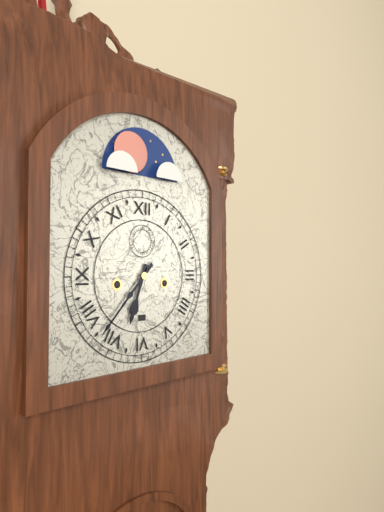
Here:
h=6 m=37
